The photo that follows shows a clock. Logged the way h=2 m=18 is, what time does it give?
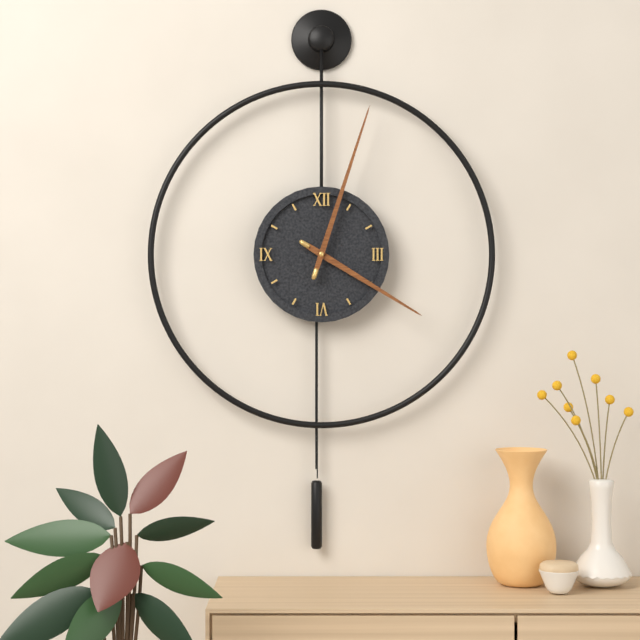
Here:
h=4 m=3
